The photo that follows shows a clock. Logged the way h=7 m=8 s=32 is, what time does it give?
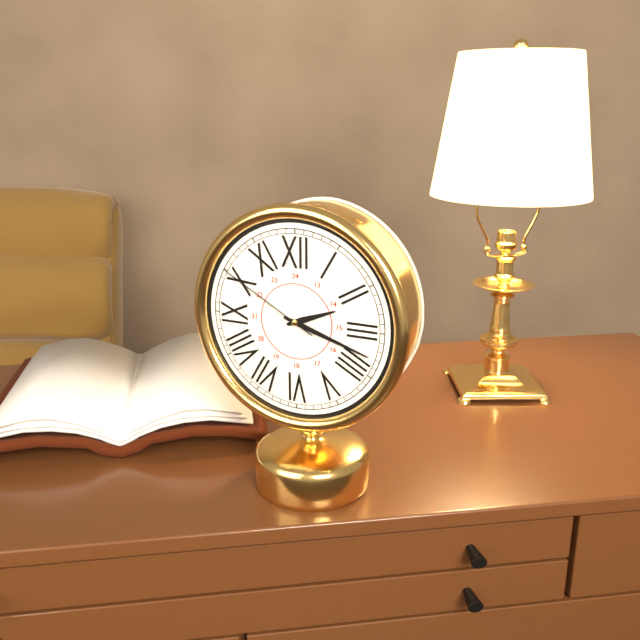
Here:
h=2 m=18 s=50
